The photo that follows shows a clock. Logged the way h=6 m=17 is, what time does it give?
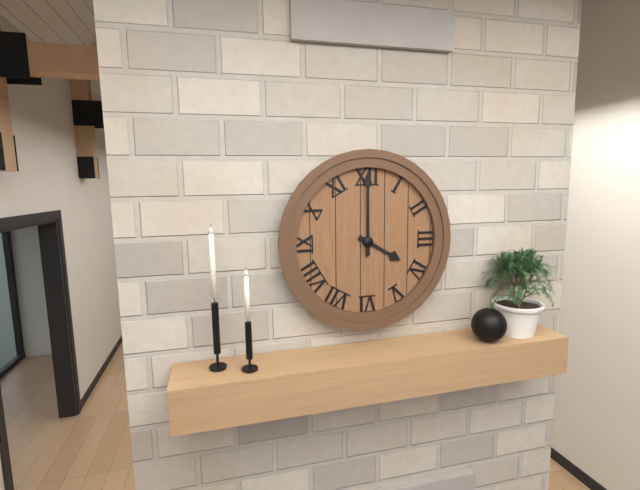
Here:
h=4 m=0
